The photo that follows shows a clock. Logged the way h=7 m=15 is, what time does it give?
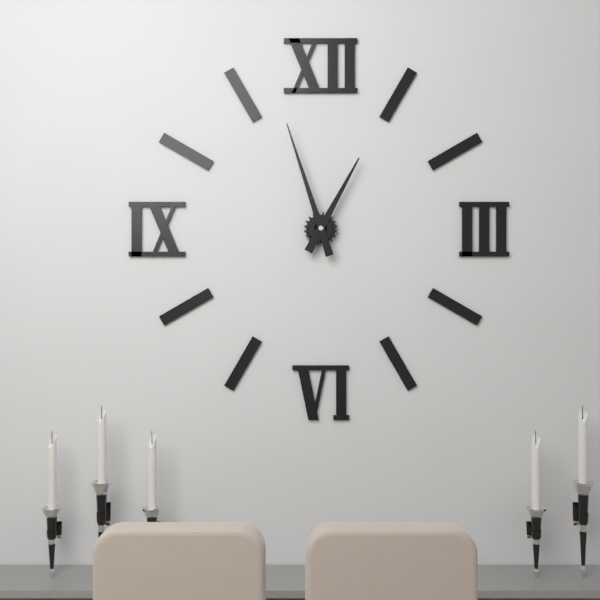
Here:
h=12 m=57
